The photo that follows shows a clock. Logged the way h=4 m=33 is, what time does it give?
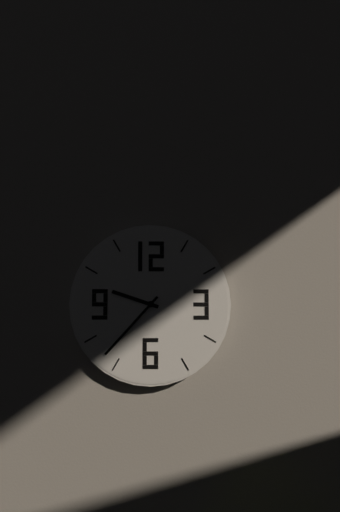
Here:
h=9 m=37
